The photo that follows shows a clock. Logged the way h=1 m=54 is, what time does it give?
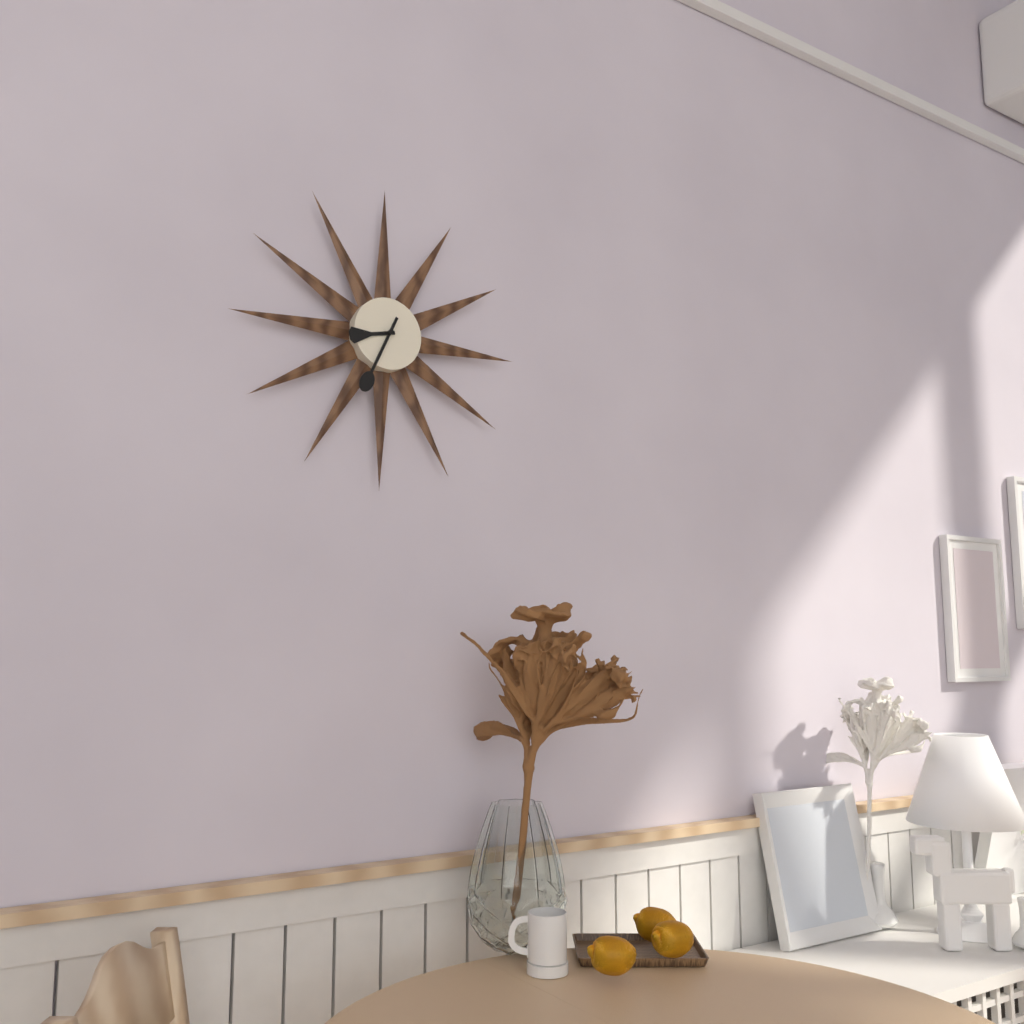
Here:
h=8 m=34
